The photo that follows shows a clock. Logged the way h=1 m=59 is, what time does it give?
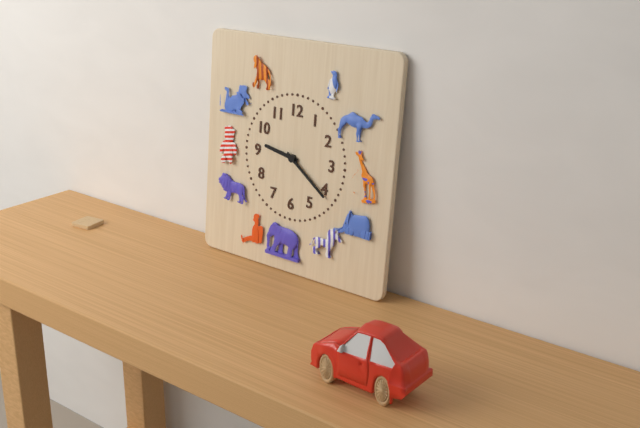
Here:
h=9 m=21
